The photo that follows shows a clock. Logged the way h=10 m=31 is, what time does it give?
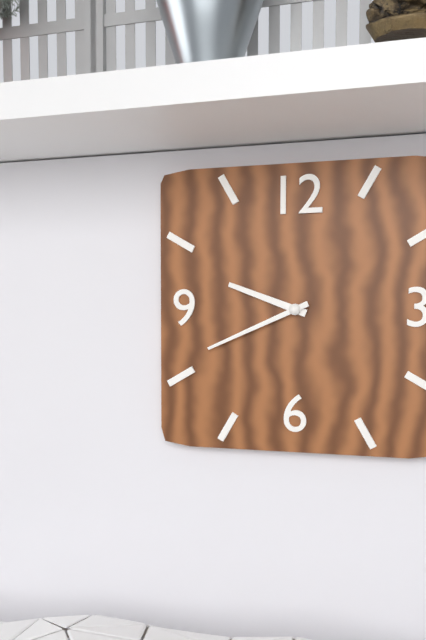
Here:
h=9 m=41
